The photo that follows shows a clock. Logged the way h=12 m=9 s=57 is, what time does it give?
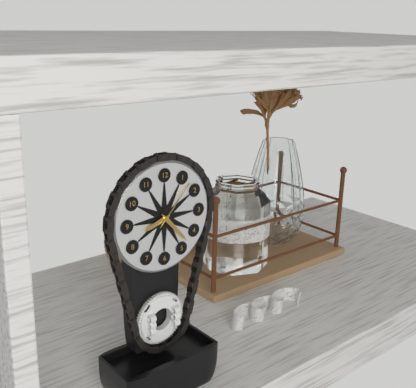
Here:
h=8 m=23 s=7
